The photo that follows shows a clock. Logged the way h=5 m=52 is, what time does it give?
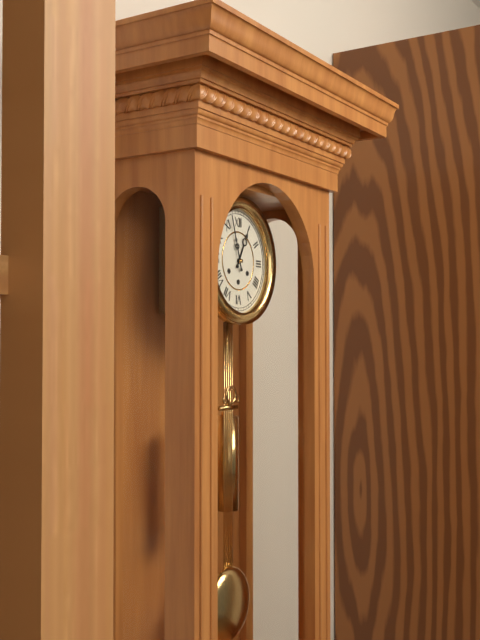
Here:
h=12 m=57
